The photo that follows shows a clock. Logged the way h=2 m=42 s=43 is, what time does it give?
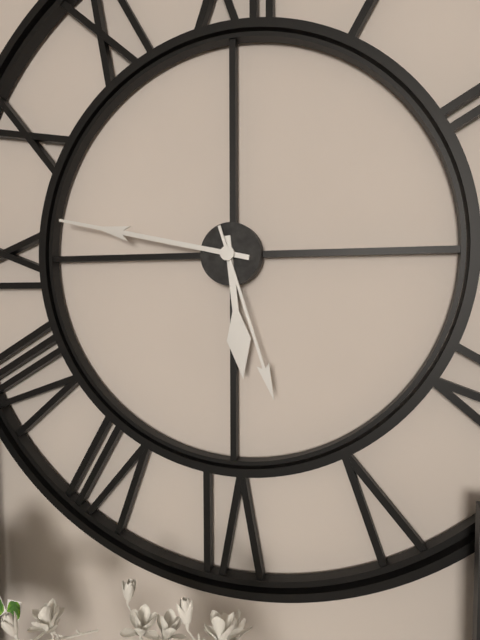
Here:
h=5 m=47 s=27
